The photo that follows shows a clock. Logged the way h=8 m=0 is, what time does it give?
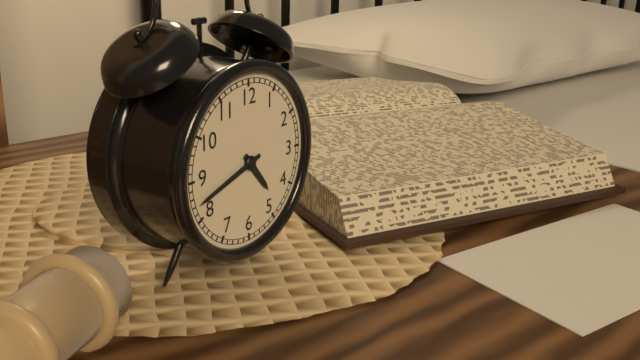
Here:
h=4 m=42
